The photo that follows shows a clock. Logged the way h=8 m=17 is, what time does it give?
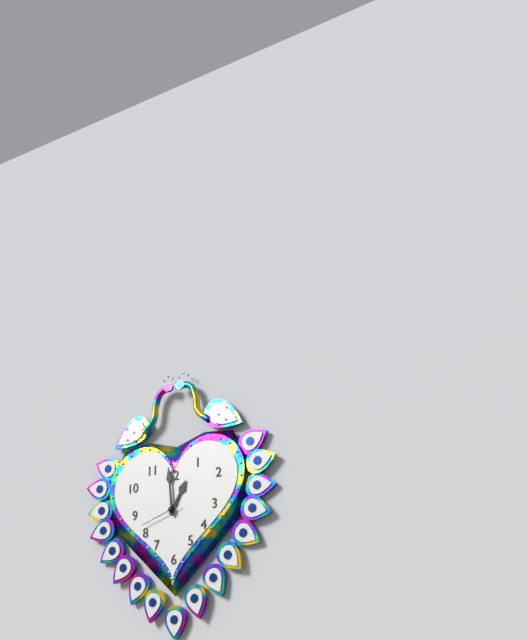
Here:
h=12 m=59
